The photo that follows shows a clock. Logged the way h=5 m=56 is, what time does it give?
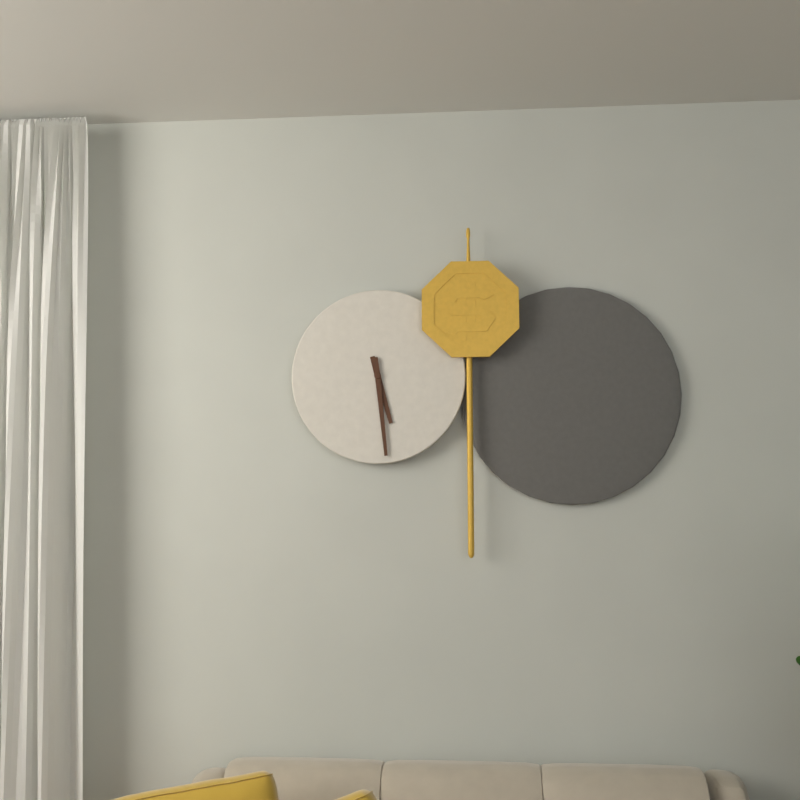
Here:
h=5 m=29
